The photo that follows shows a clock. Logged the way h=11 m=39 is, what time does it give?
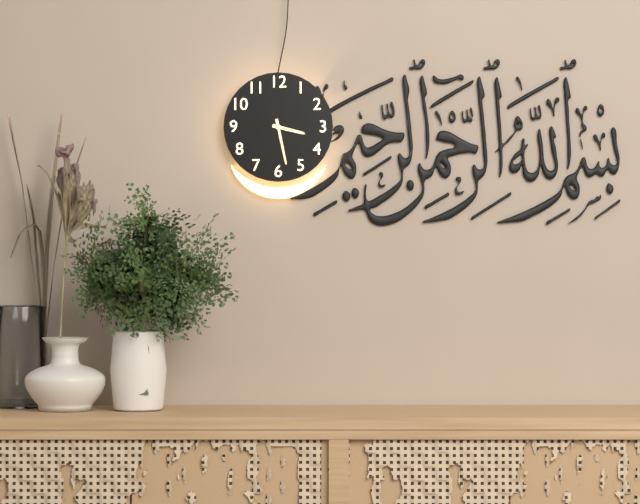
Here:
h=3 m=28
